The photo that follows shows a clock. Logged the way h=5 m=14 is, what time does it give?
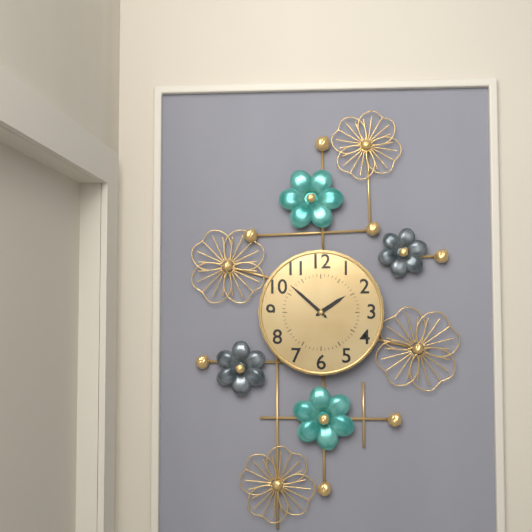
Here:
h=1 m=52
